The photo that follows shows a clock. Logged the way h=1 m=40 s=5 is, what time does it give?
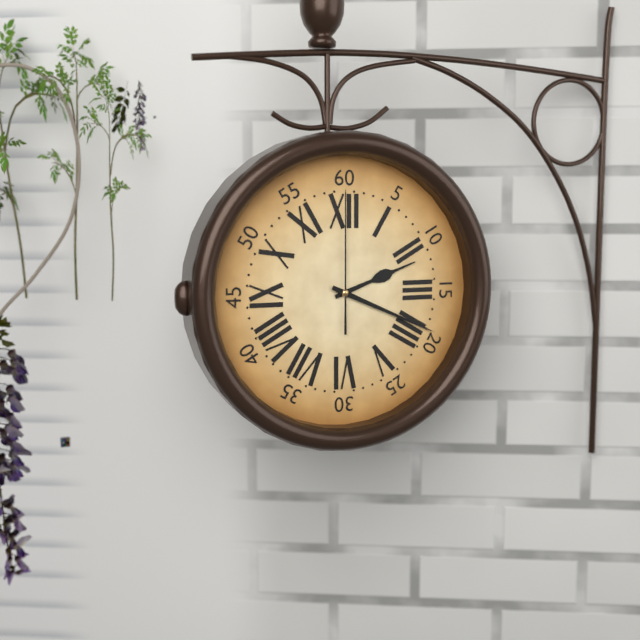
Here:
h=2 m=19 s=0
